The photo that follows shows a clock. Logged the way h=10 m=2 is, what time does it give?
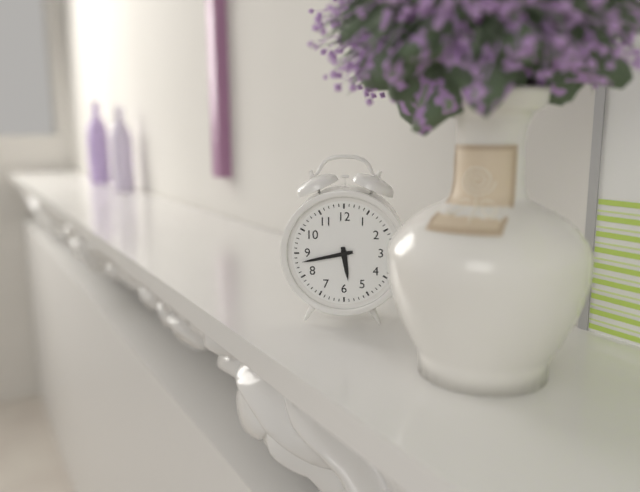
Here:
h=5 m=43
